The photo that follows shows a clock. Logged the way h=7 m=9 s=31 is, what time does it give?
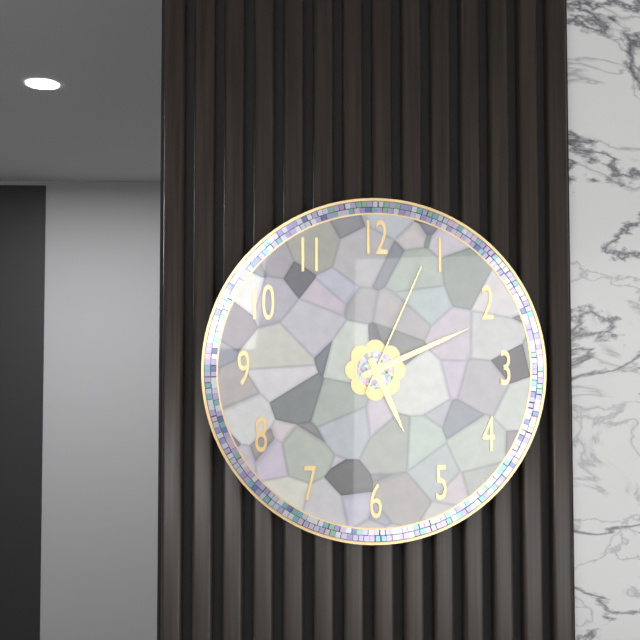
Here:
h=5 m=11 s=4
